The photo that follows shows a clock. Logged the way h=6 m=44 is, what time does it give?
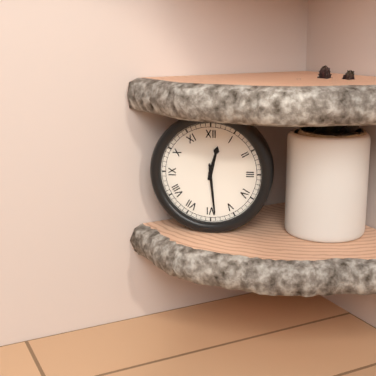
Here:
h=12 m=29
